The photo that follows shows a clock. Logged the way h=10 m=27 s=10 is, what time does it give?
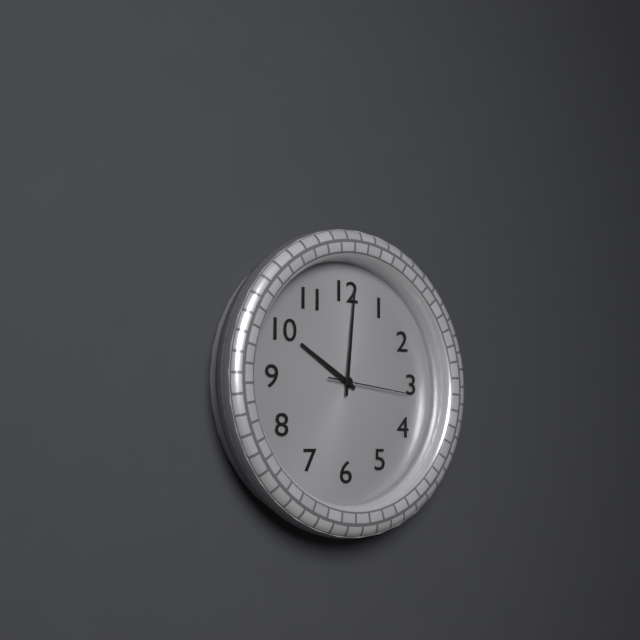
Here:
h=10 m=1 s=16
